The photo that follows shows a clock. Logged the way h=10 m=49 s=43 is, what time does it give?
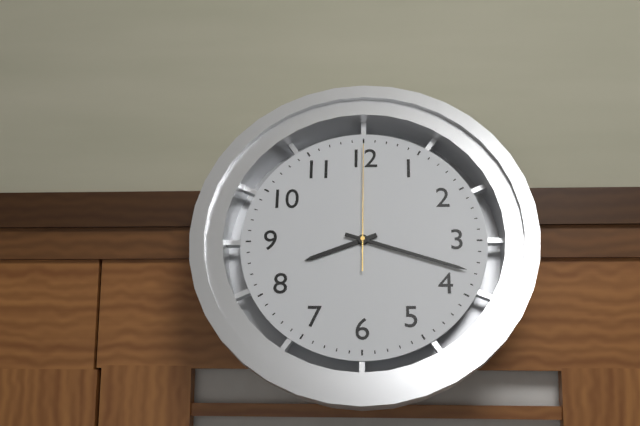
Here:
h=8 m=18 s=0
